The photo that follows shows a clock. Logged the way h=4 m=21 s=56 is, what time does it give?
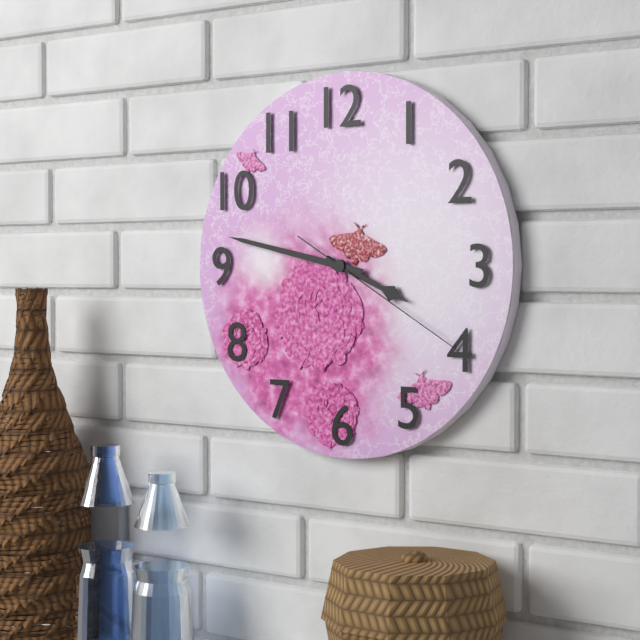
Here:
h=3 m=47 s=20
